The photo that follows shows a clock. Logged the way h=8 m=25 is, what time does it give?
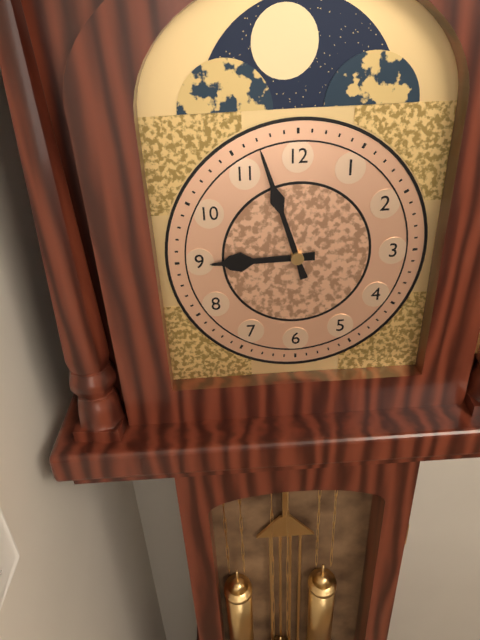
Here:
h=8 m=57
